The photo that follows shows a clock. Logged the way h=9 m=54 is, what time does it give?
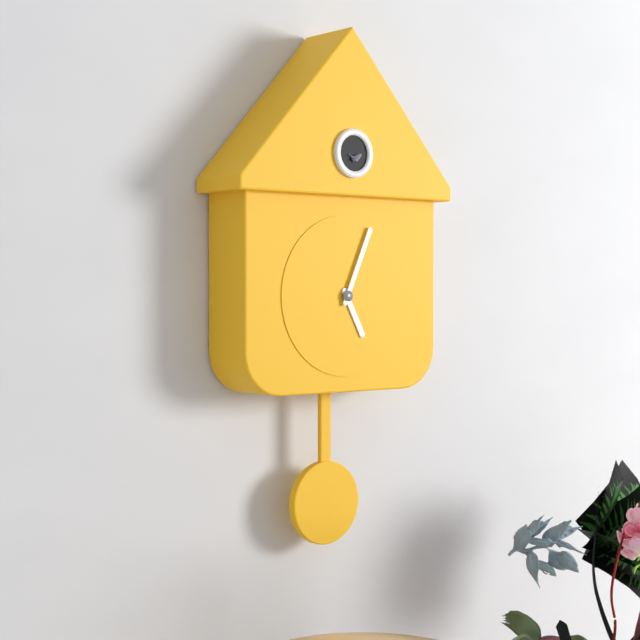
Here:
h=5 m=4
